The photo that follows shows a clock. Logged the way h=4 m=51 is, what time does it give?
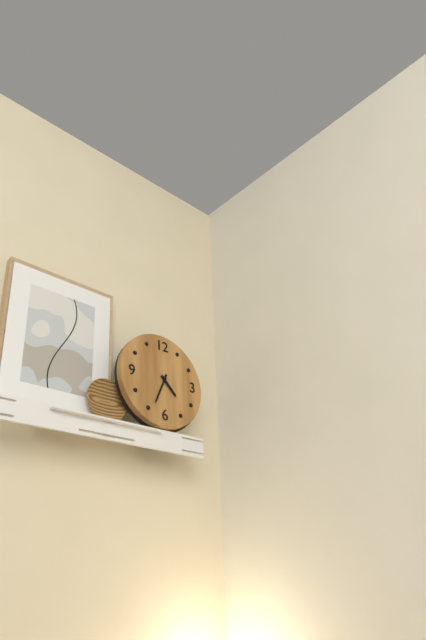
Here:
h=4 m=34
